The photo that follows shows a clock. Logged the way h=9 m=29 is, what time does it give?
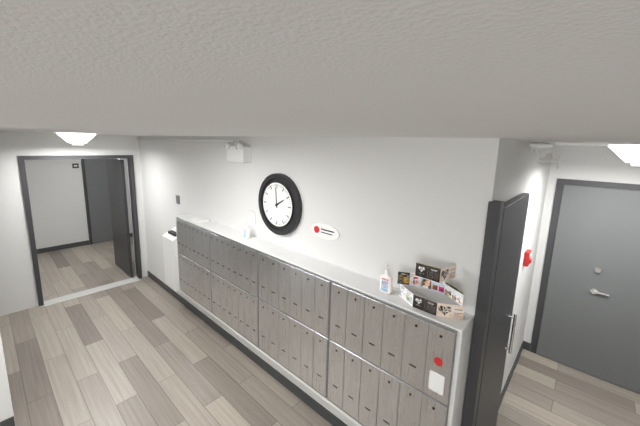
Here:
h=1 m=59
